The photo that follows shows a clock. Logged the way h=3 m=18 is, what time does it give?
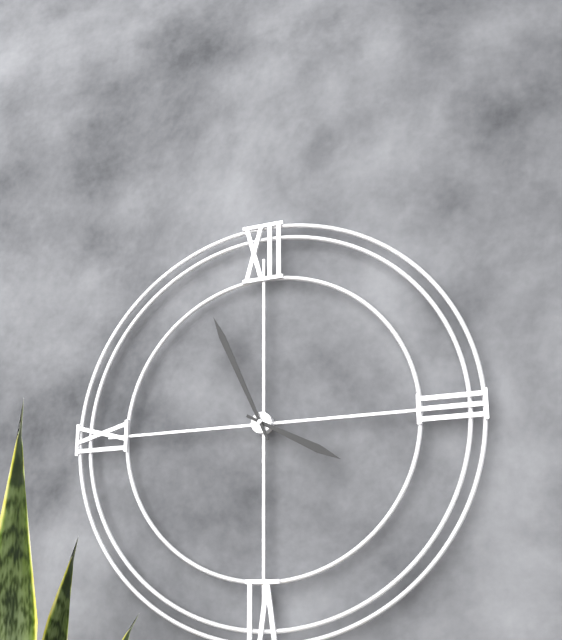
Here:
h=3 m=56
